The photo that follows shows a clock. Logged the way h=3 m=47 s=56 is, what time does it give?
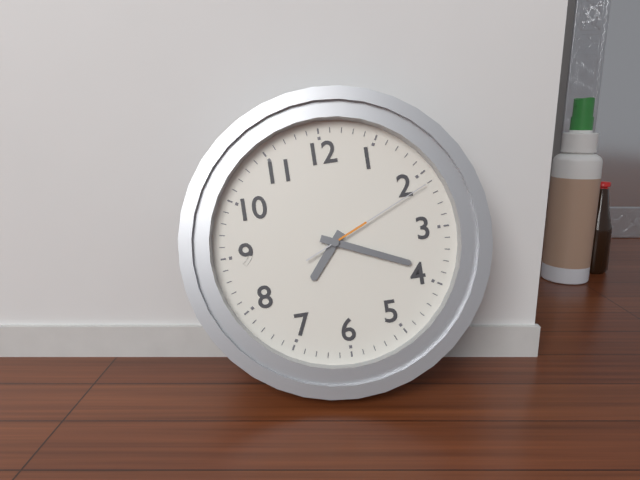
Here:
h=7 m=19 s=11
